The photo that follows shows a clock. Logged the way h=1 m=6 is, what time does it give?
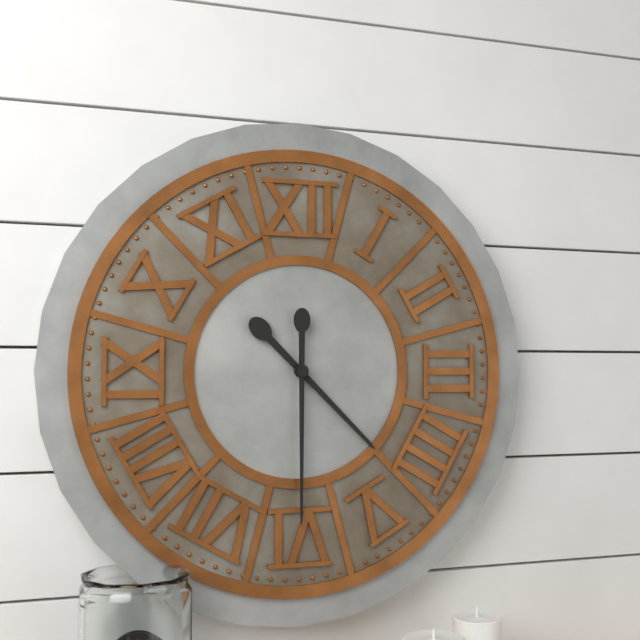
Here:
h=4 m=30
